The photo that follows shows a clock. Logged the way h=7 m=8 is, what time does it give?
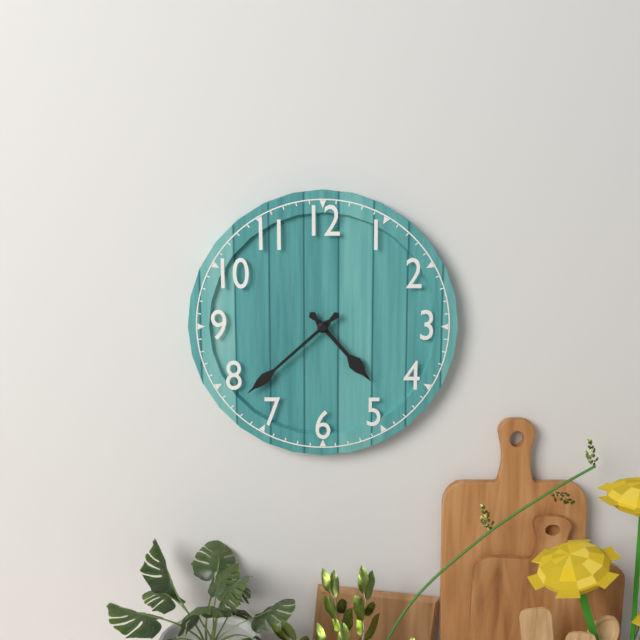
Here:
h=4 m=38
